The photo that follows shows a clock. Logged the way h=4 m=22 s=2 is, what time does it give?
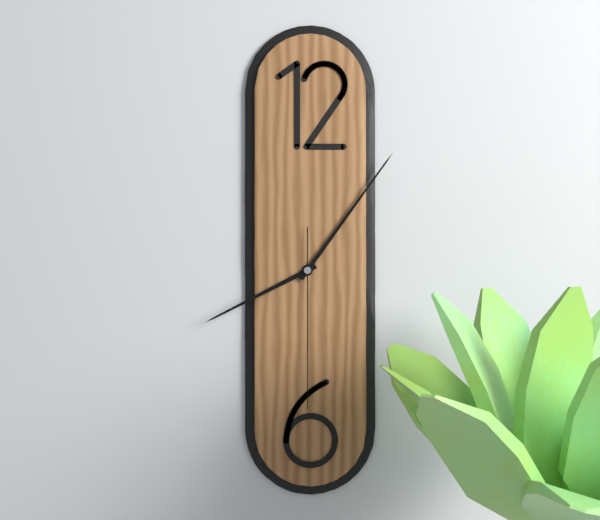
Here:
h=8 m=6 s=30
